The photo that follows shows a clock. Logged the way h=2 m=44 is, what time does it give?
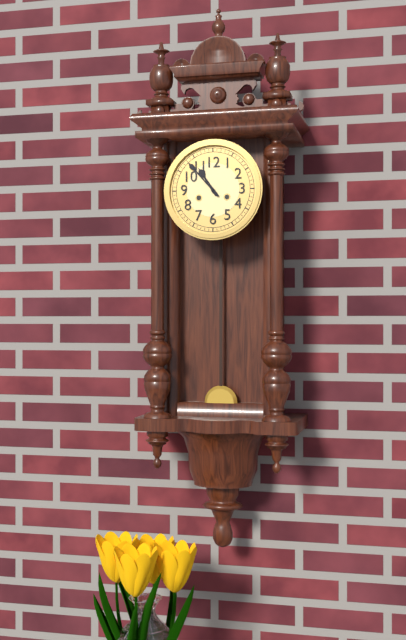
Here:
h=10 m=53
